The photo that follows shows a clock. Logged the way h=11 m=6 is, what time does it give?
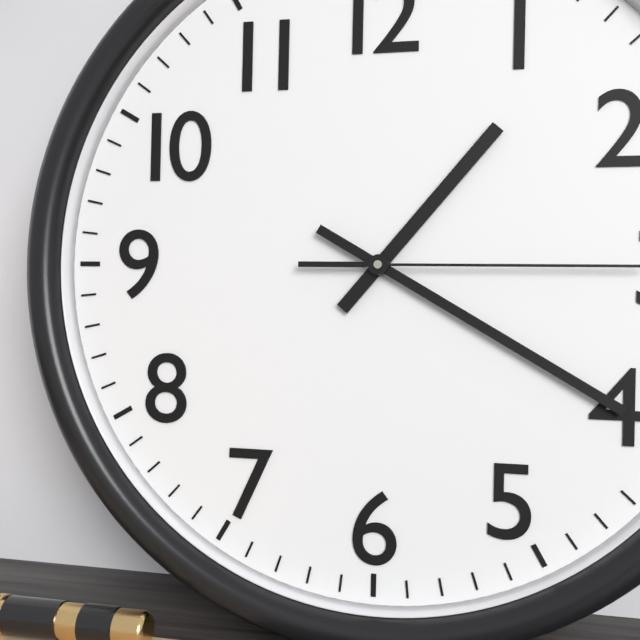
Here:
h=1 m=20
